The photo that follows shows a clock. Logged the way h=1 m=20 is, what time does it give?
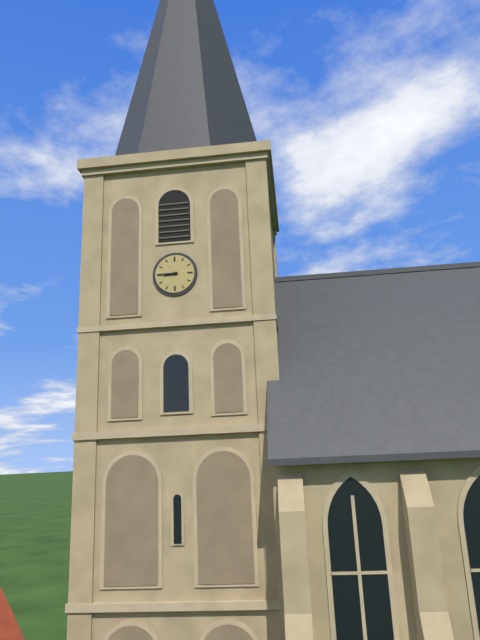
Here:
h=8 m=45
